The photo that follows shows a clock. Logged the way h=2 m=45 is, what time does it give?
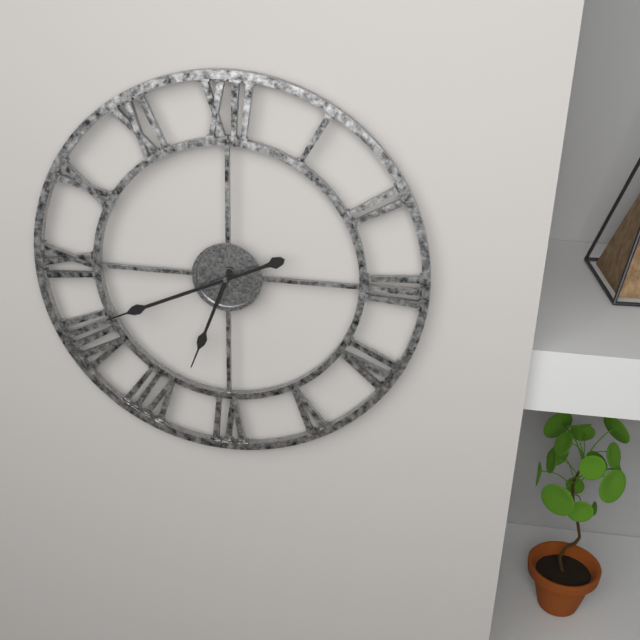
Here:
h=6 m=41
